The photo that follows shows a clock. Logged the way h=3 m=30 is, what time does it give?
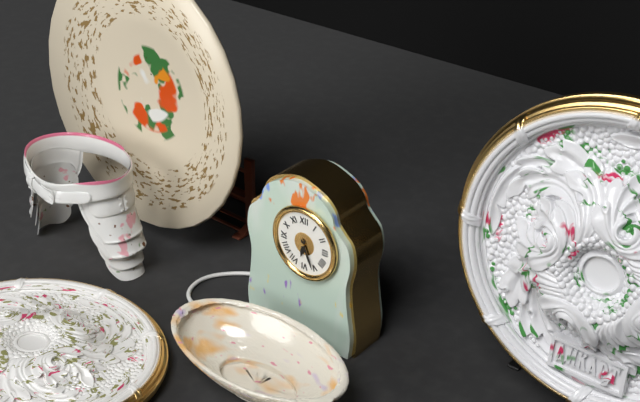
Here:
h=6 m=26
